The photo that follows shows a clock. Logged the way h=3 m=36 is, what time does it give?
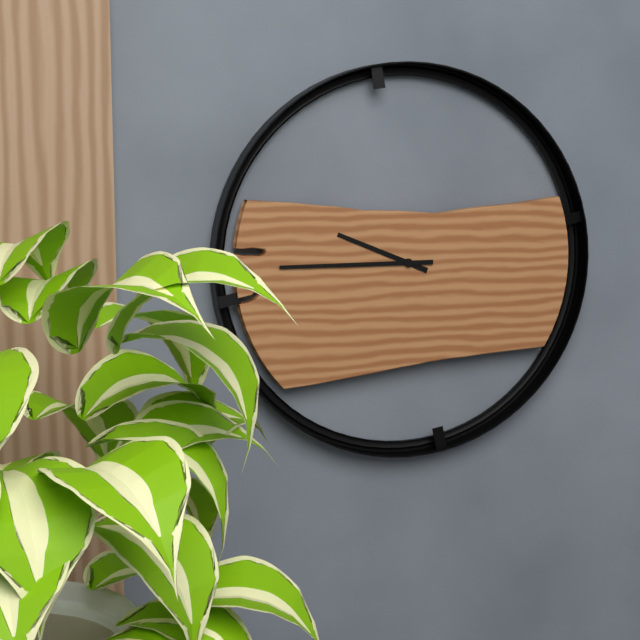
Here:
h=9 m=45
